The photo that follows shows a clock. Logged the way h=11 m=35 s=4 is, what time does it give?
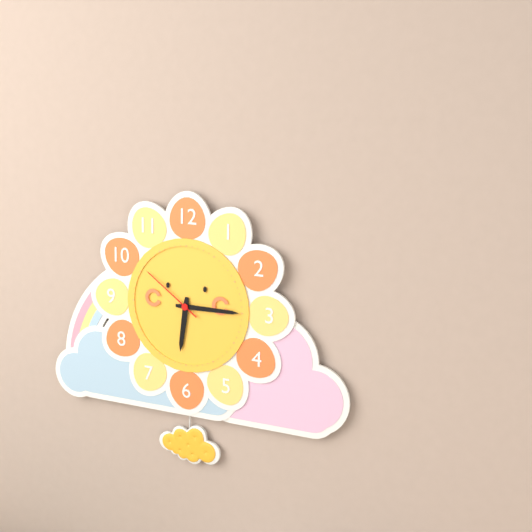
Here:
h=6 m=15 s=51
